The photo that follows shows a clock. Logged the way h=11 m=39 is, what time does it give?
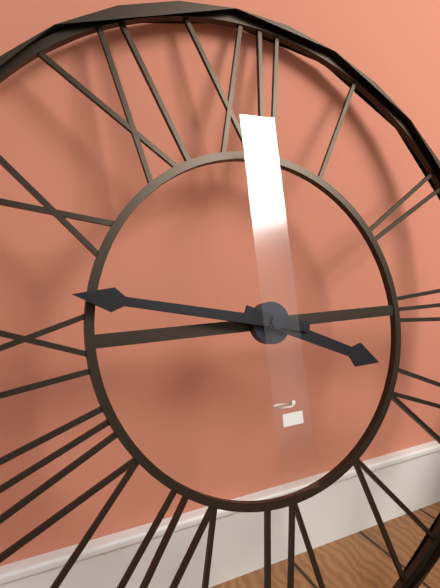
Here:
h=3 m=47
